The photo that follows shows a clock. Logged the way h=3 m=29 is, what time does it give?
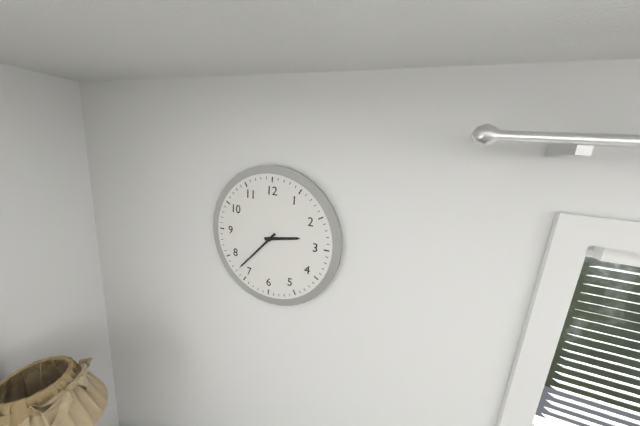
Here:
h=2 m=37
